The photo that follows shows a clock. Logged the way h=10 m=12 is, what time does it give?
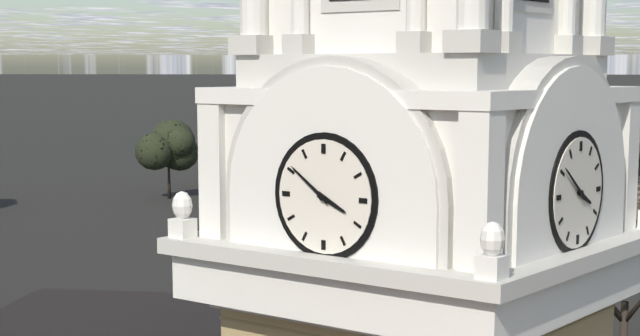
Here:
h=3 m=51
